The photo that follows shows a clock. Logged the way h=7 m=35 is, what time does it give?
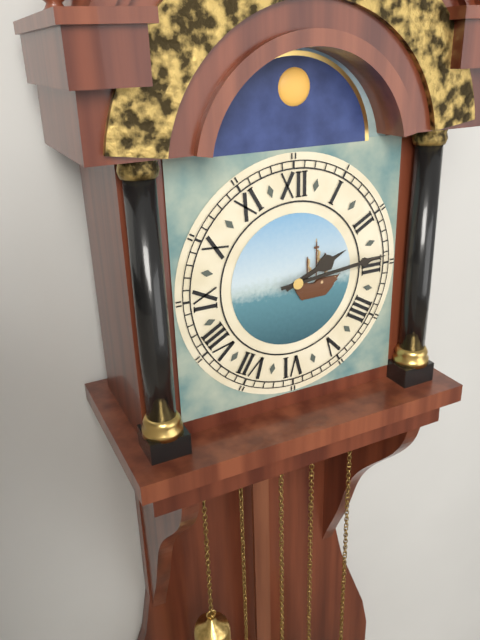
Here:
h=2 m=14
